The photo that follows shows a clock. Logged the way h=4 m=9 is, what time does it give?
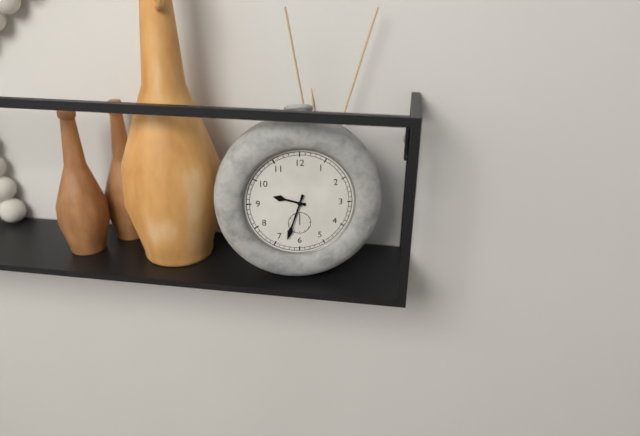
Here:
h=9 m=33
